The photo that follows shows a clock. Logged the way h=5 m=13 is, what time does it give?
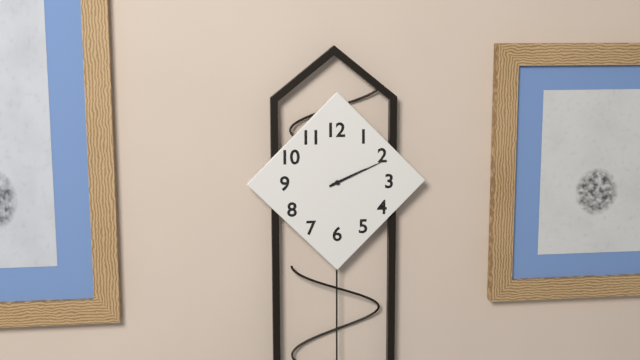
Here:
h=2 m=11
